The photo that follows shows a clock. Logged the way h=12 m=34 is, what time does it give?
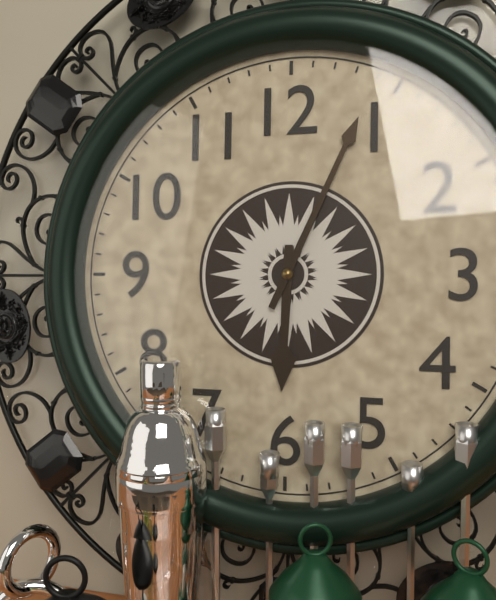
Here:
h=6 m=4
